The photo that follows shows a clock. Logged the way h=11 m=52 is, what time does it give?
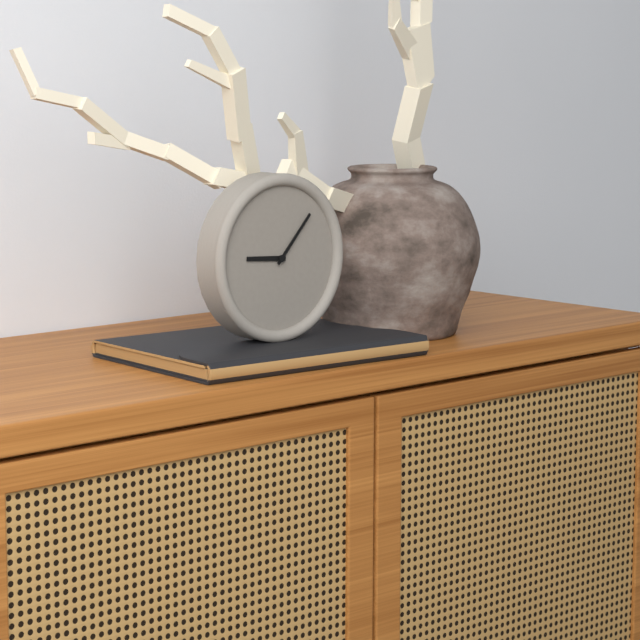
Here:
h=9 m=7
